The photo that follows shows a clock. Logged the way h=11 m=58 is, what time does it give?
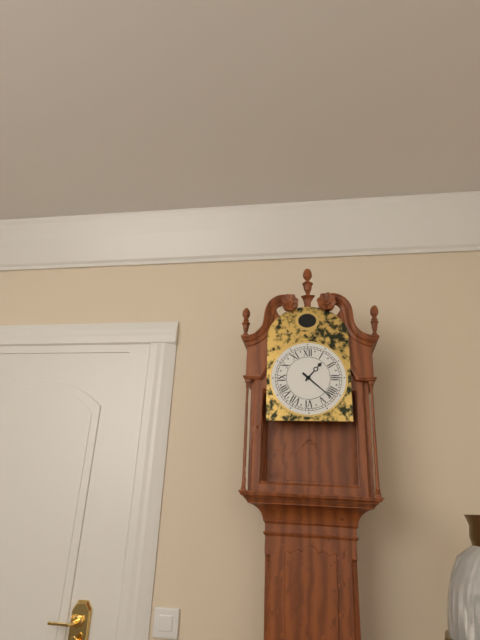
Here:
h=1 m=22
